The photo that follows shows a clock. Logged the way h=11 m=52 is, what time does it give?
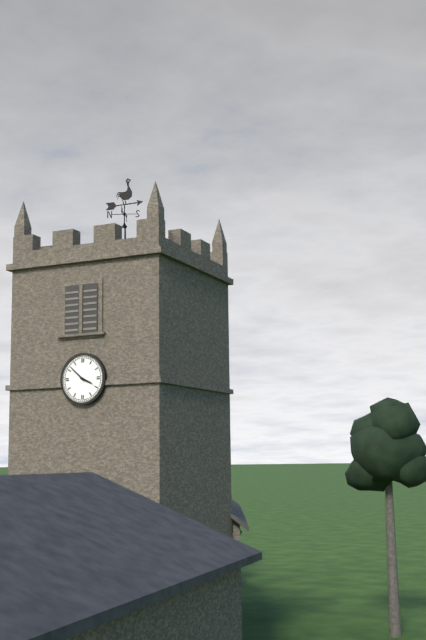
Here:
h=3 m=52
